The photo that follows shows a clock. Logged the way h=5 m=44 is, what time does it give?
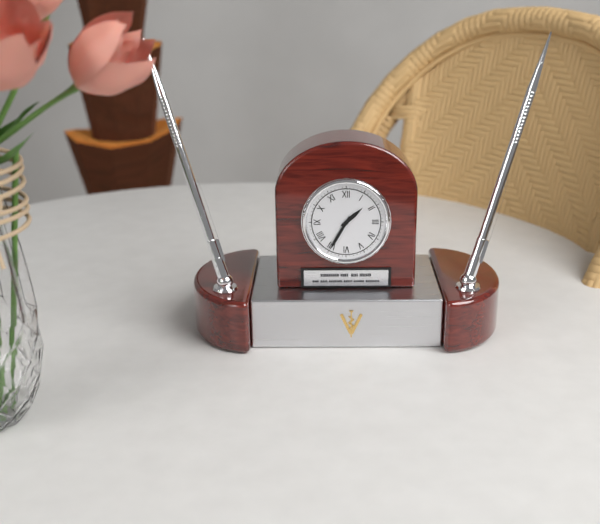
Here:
h=1 m=35
